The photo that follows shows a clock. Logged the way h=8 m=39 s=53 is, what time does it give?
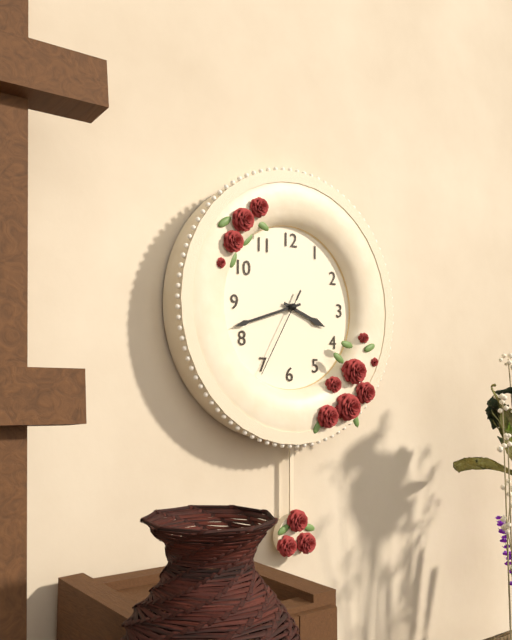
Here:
h=3 m=42 s=35
